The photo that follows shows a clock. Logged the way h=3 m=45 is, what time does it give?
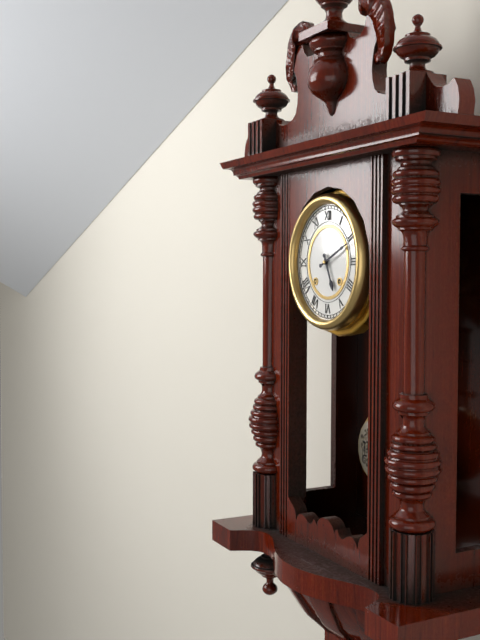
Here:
h=5 m=11
